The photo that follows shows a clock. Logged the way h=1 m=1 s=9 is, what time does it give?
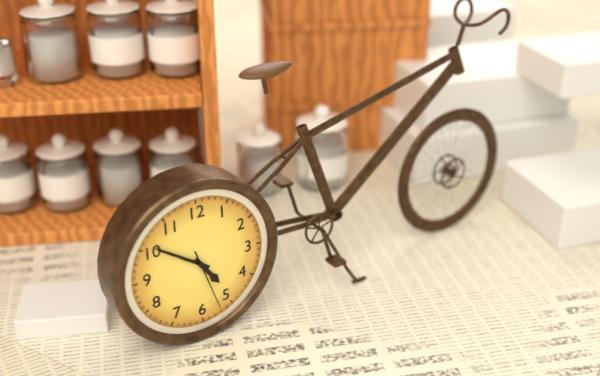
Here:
h=4 m=51 s=27
